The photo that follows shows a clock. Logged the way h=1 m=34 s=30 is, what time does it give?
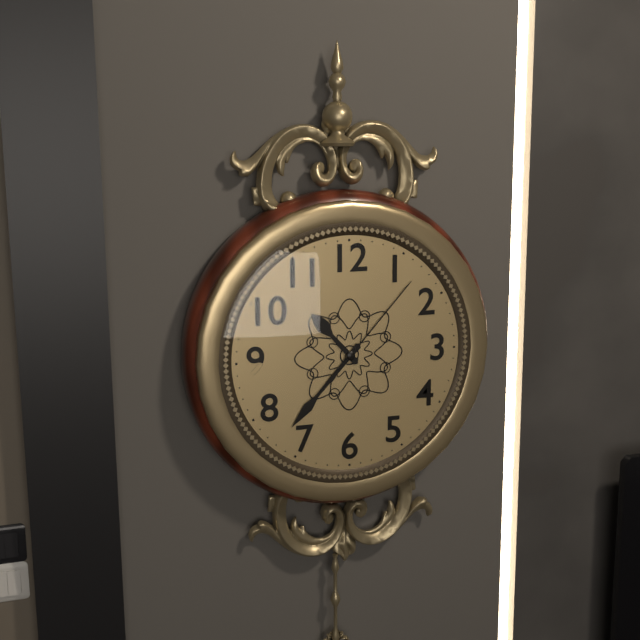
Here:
h=10 m=37 s=7
